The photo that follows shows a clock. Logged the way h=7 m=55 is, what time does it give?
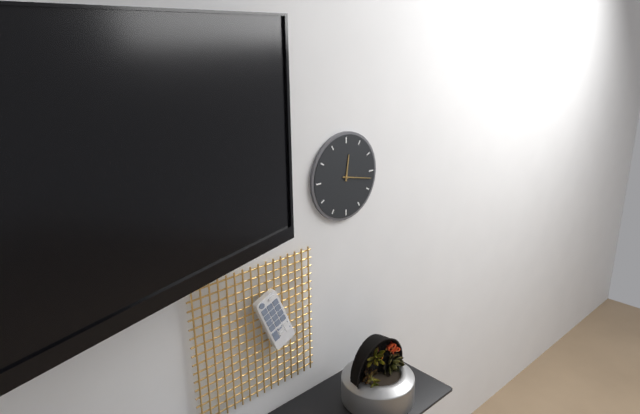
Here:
h=12 m=17
